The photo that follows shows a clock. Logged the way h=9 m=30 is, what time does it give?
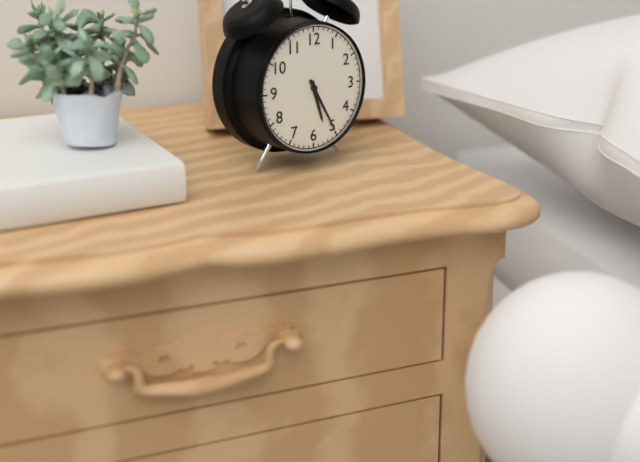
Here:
h=5 m=25
